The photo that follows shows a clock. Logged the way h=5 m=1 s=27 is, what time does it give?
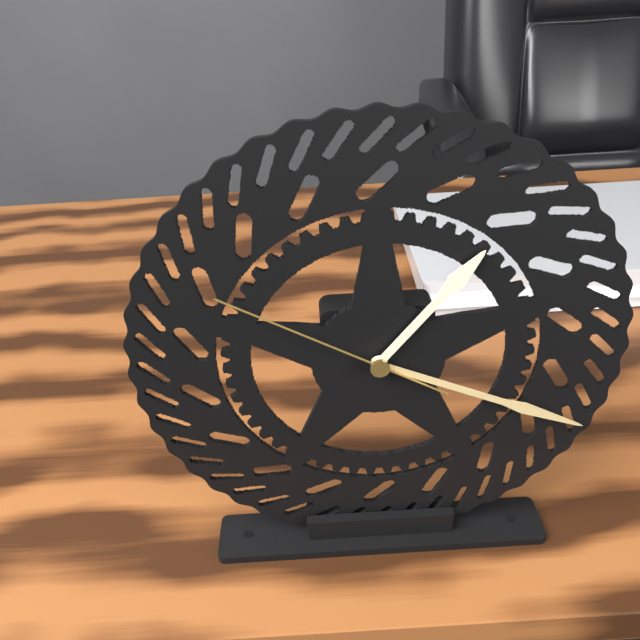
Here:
h=1 m=19 s=50
